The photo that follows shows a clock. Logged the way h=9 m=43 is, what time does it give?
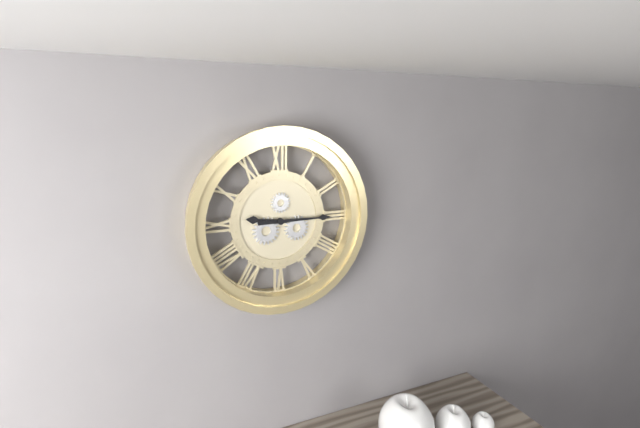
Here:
h=9 m=15
